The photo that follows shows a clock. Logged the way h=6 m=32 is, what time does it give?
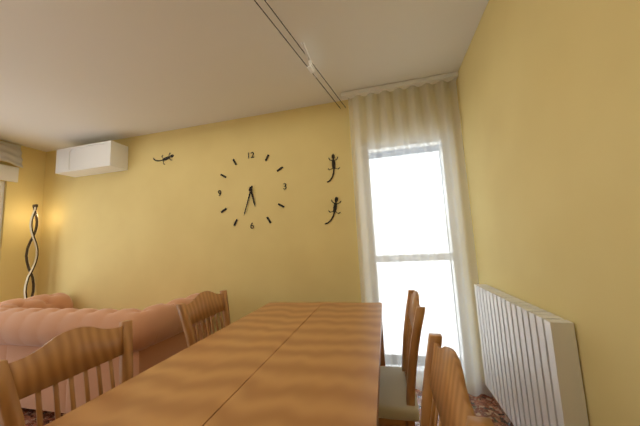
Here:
h=5 m=33
